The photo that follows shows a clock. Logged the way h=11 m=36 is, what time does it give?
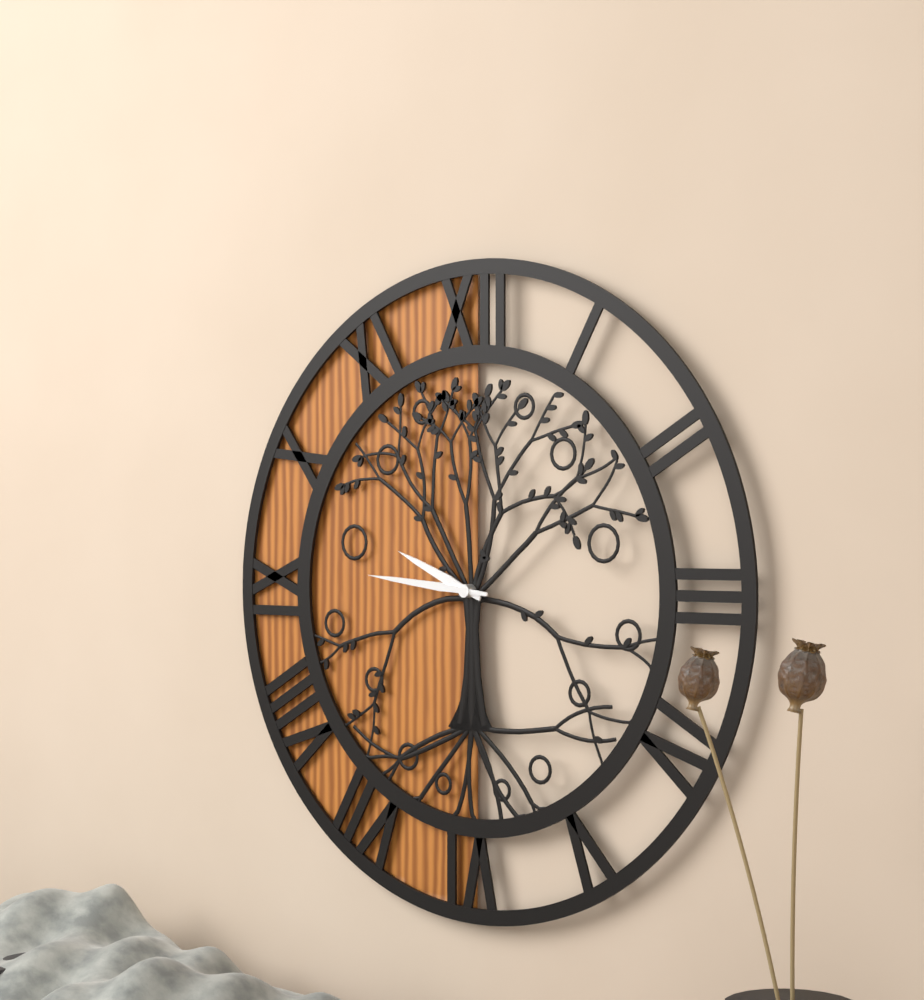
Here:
h=9 m=46
